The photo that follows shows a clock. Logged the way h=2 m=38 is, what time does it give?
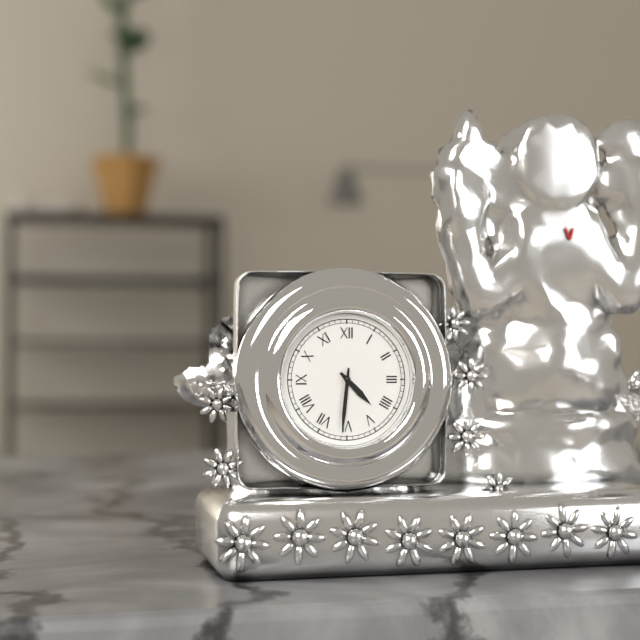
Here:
h=4 m=31
